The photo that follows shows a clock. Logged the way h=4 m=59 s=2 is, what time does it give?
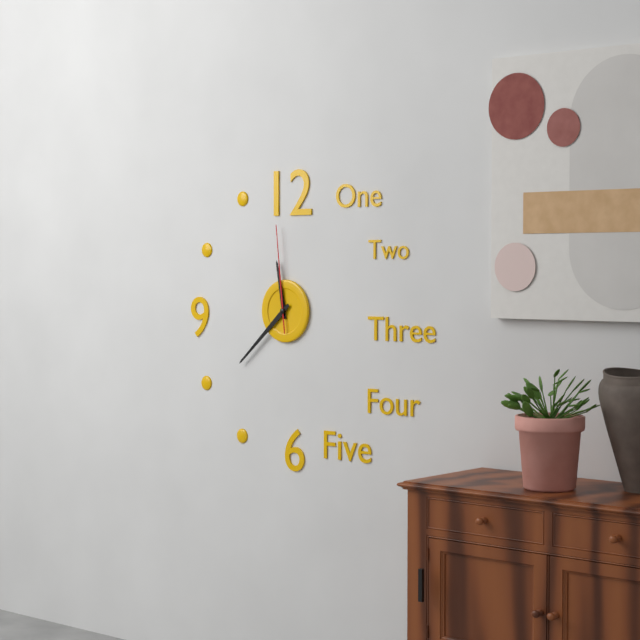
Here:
h=11 m=38 s=59
